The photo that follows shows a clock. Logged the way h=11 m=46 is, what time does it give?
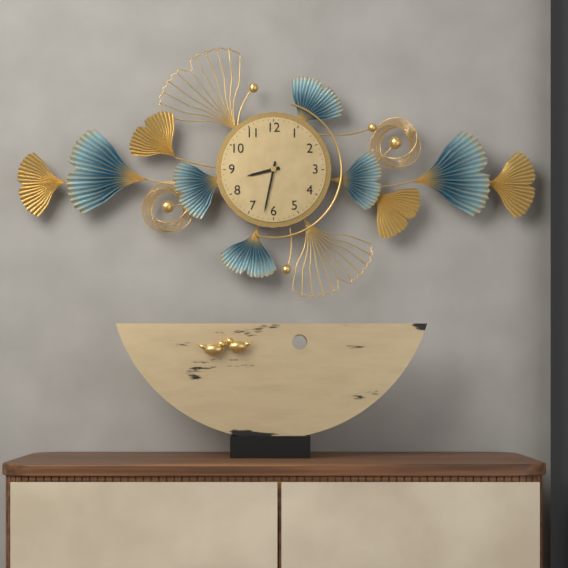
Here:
h=8 m=32
